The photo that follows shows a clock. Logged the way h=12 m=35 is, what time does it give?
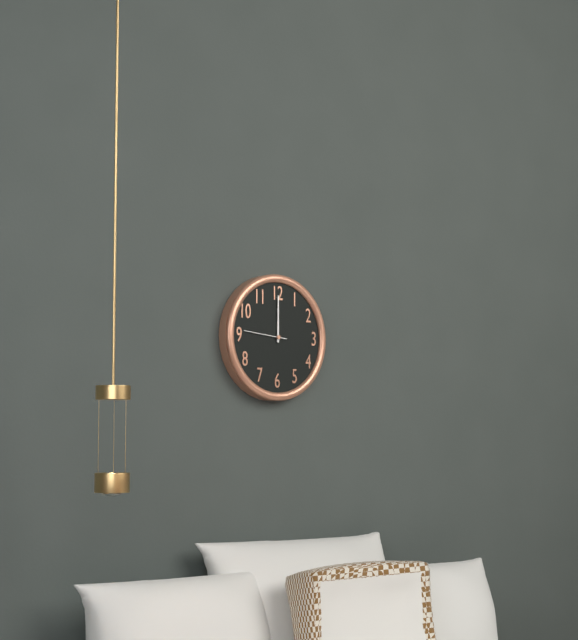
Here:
h=12 m=0
